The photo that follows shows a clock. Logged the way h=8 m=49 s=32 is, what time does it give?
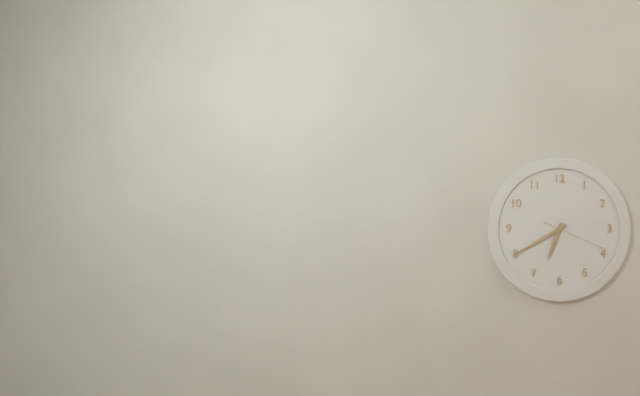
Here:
h=6 m=40 s=19
